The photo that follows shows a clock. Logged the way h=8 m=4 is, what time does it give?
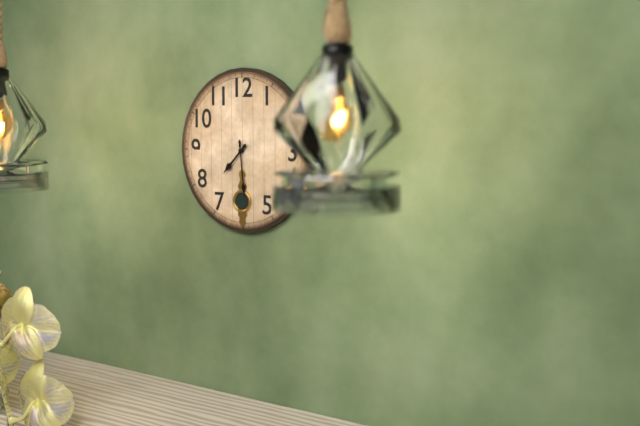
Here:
h=7 m=29
